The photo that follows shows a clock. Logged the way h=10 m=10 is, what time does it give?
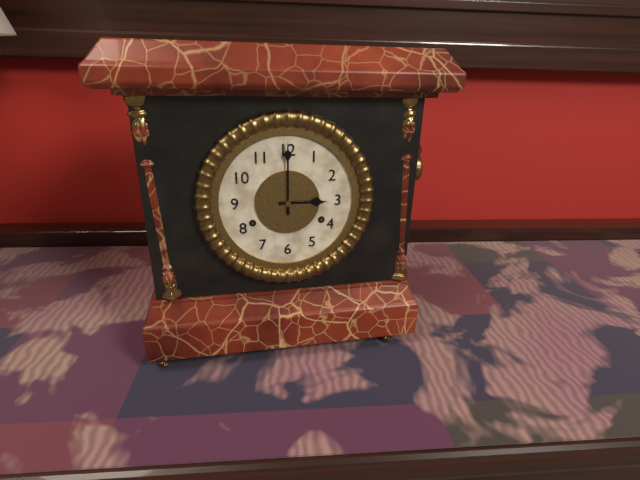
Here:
h=3 m=0
